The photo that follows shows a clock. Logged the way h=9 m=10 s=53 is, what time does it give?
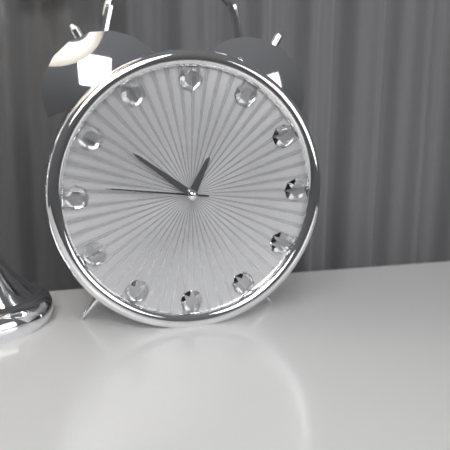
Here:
h=12 m=51 s=46
